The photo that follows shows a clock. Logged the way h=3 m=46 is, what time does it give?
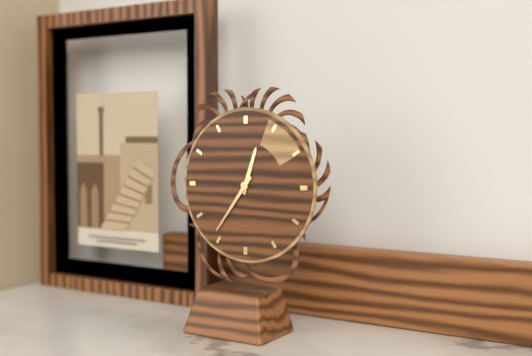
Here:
h=12 m=36
